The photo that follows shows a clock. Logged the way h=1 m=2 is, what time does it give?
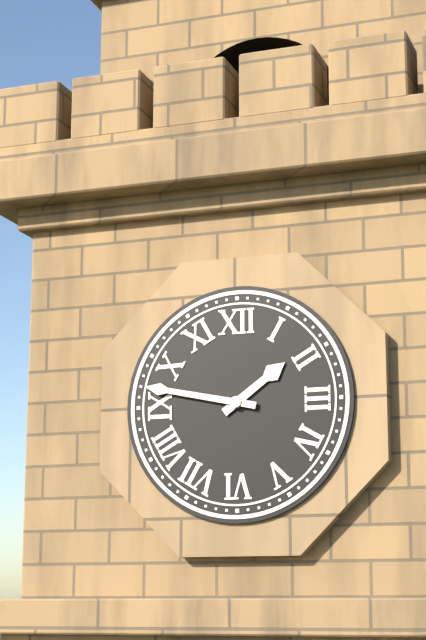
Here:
h=1 m=47
